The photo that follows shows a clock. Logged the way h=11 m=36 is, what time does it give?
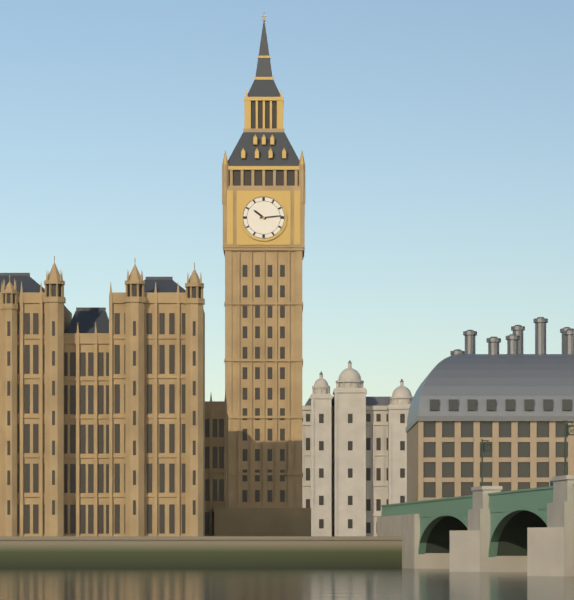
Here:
h=10 m=14
